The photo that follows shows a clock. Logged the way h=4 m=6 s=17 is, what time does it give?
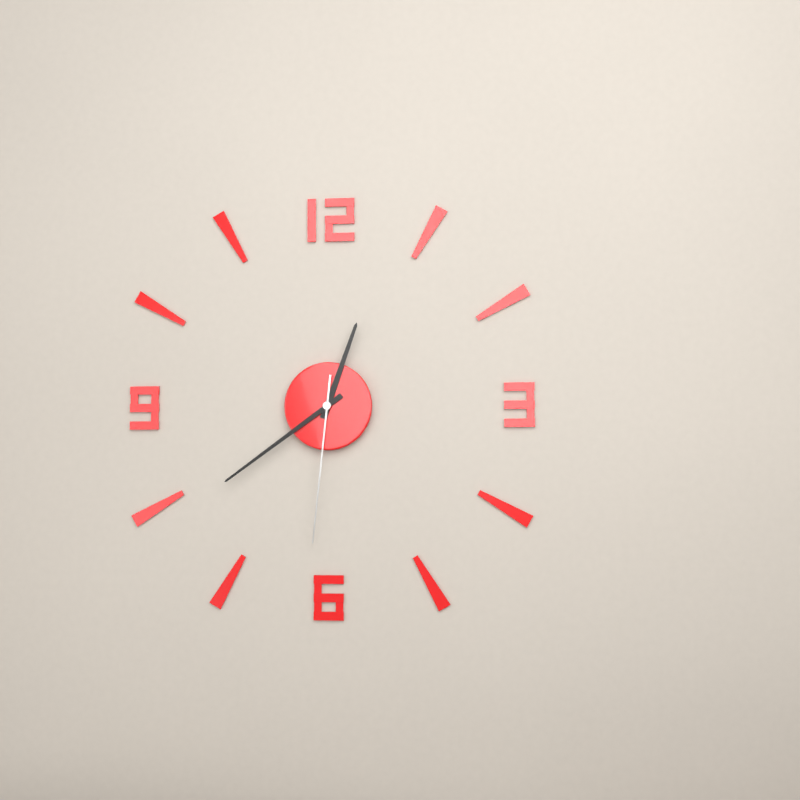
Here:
h=12 m=39 s=31
